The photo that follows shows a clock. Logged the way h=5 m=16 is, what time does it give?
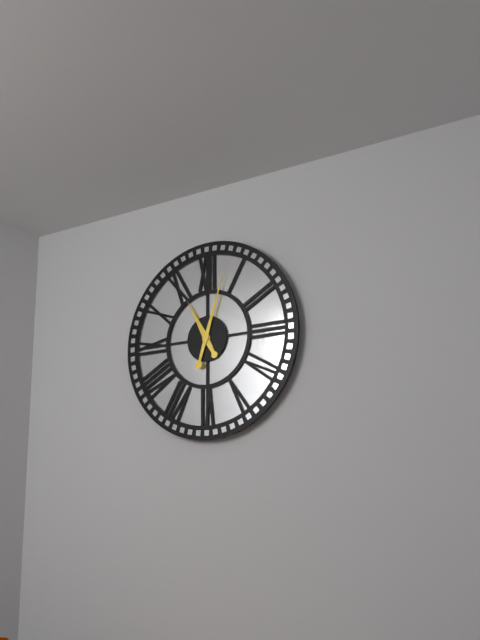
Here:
h=11 m=3
